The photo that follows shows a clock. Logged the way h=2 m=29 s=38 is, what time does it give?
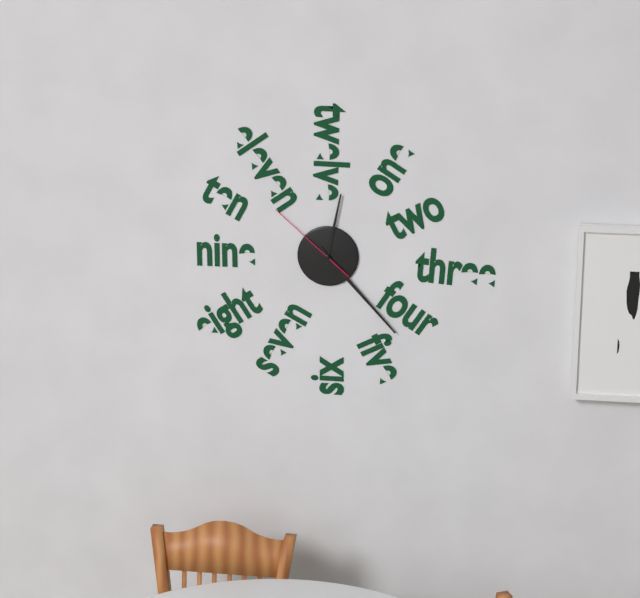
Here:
h=12 m=23 s=52
